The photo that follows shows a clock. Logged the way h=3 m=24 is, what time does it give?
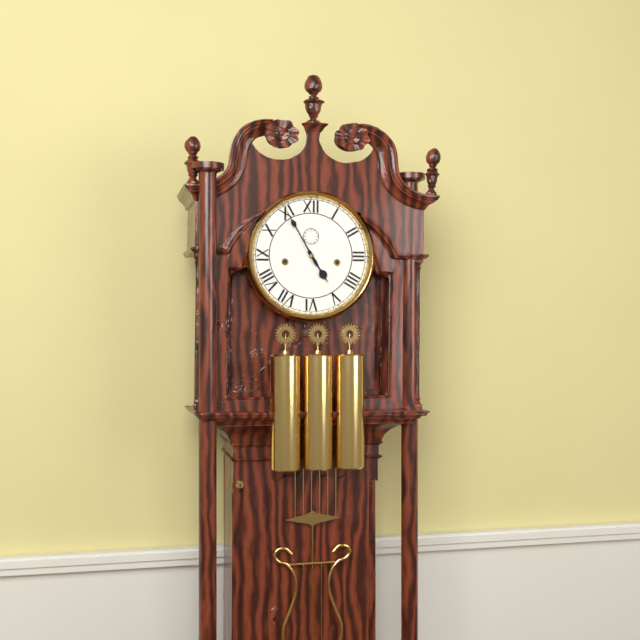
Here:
h=4 m=55
